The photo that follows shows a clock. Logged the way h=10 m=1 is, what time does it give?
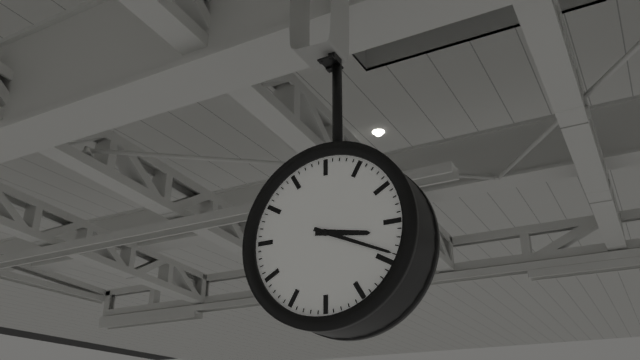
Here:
h=3 m=19
